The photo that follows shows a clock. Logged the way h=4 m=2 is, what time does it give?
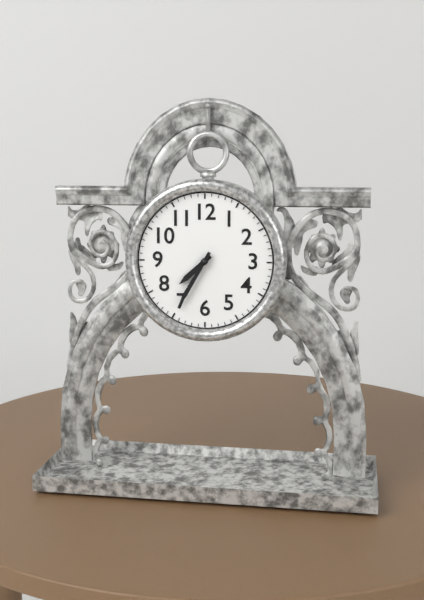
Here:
h=7 m=35
